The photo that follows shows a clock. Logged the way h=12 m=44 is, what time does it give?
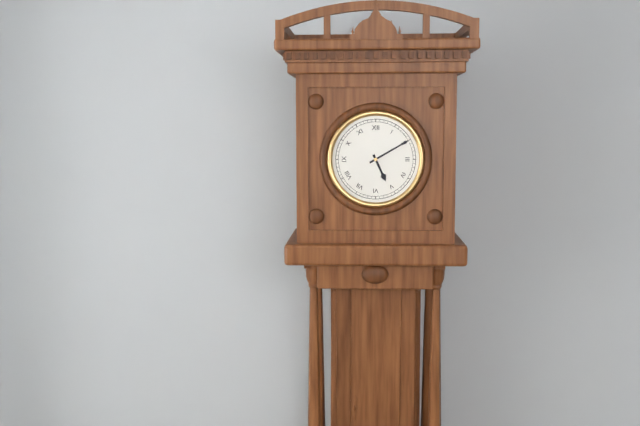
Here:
h=5 m=10
